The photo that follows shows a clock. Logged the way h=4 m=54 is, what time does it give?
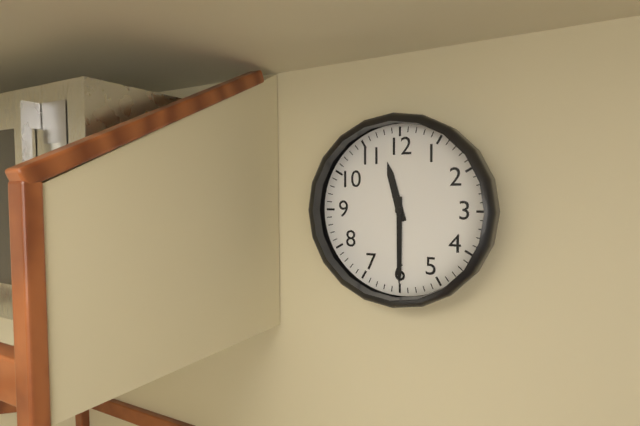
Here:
h=11 m=30
